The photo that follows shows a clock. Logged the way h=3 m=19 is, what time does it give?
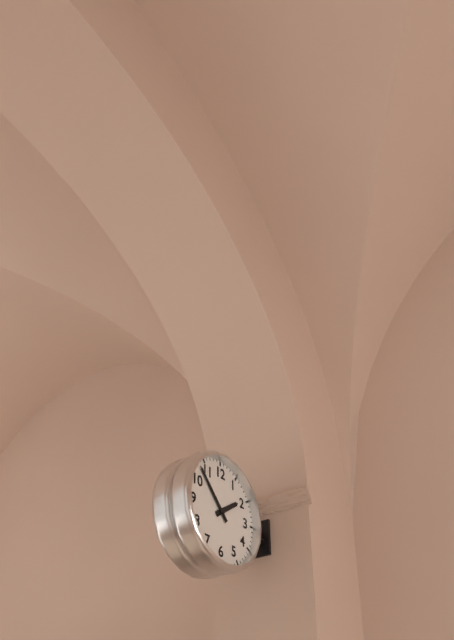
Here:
h=1 m=53
